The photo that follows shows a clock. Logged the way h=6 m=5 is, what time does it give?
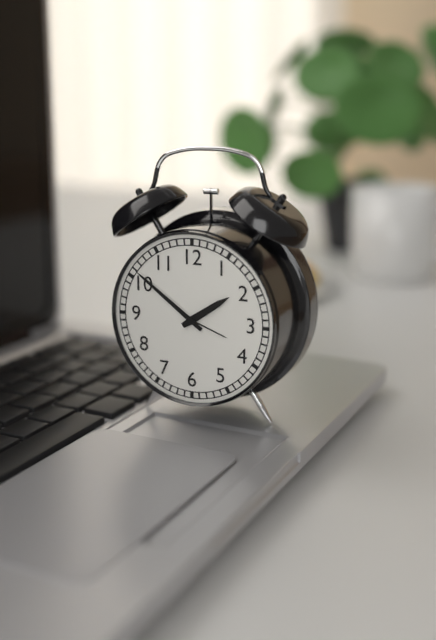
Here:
h=1 m=51
